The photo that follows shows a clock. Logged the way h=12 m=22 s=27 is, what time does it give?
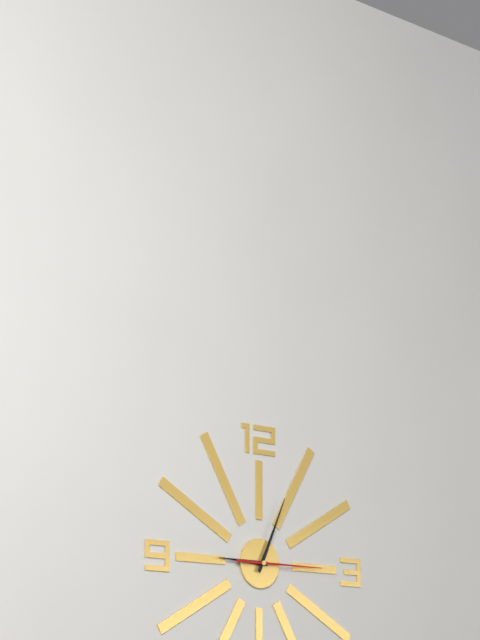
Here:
h=9 m=4 s=15
